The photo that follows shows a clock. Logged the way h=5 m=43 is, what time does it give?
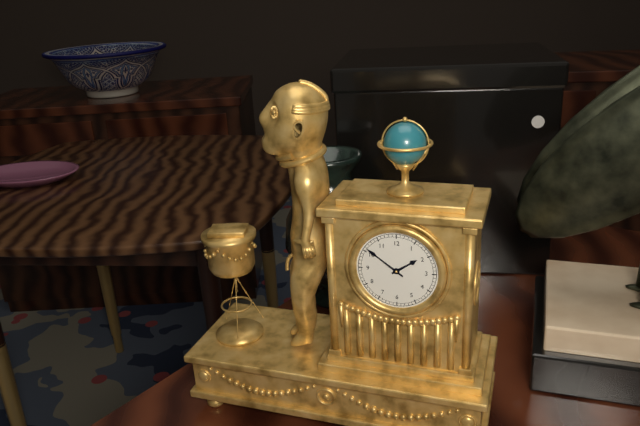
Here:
h=1 m=51
